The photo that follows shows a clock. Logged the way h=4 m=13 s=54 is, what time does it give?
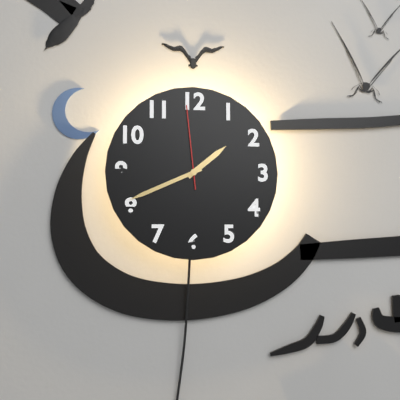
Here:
h=1 m=41 s=59
